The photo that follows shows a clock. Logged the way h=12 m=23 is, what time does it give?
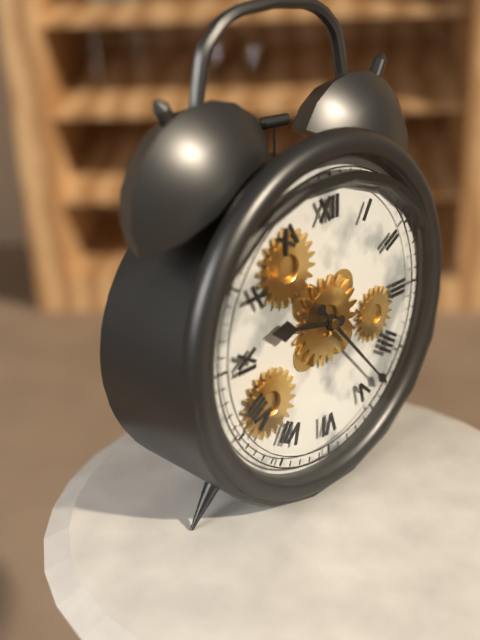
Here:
h=9 m=23
